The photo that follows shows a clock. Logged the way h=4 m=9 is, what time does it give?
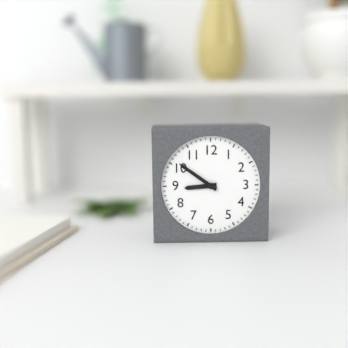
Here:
h=8 m=51
